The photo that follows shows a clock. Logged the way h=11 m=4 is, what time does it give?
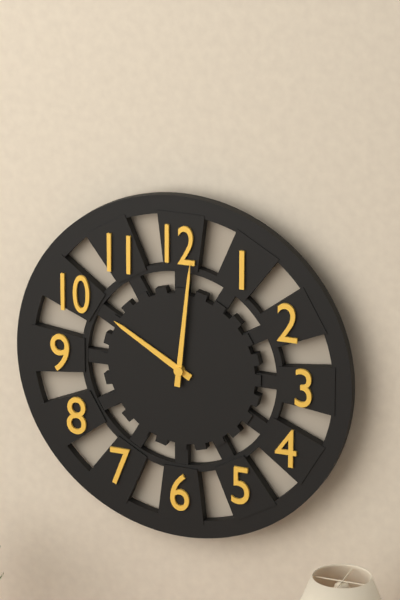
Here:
h=10 m=1
